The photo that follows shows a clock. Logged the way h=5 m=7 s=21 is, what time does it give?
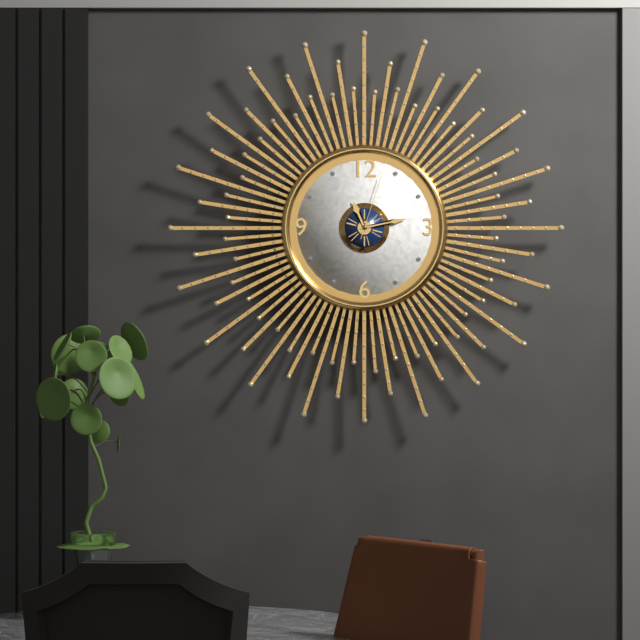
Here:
h=11 m=13 s=3
